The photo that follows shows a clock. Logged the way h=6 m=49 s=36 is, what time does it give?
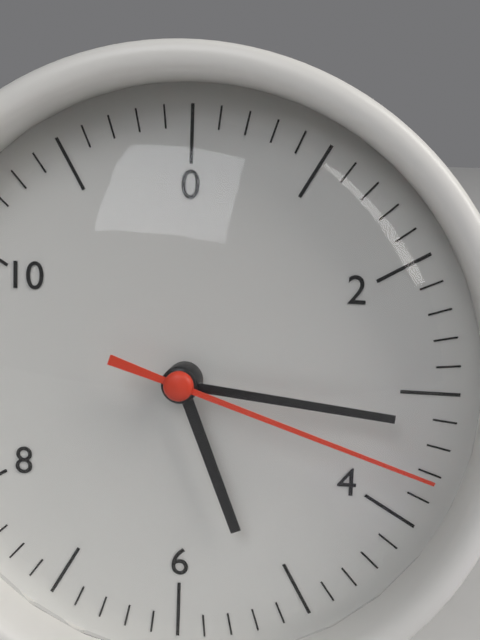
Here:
h=5 m=16 s=18
